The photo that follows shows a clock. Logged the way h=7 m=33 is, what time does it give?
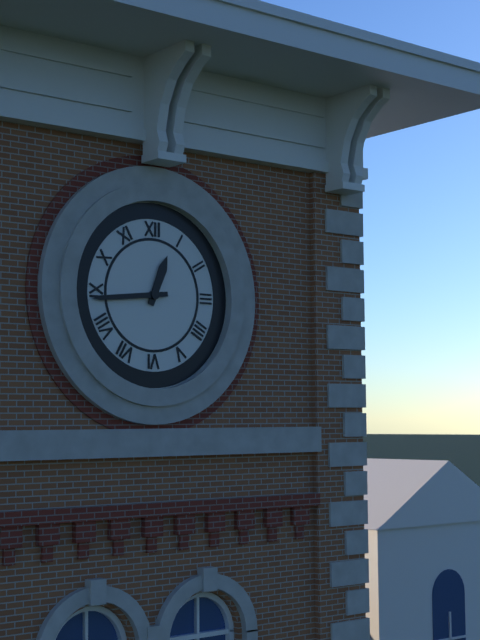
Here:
h=12 m=44
